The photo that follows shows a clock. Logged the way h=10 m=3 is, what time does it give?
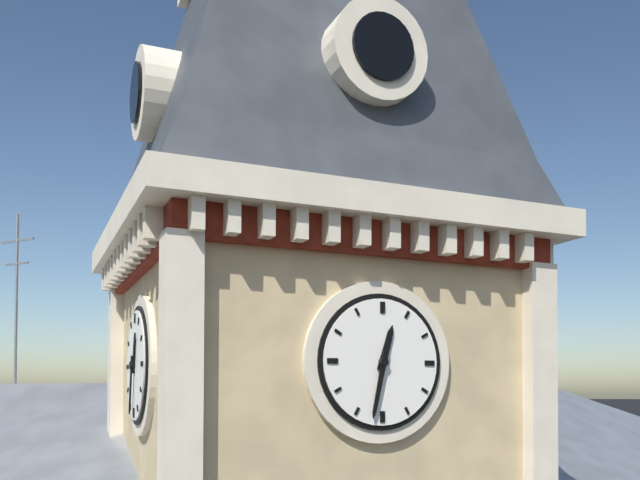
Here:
h=12 m=32
